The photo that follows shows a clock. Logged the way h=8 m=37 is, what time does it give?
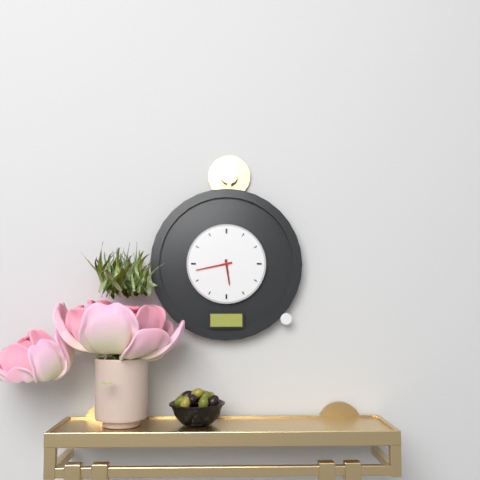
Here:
h=5 m=43
